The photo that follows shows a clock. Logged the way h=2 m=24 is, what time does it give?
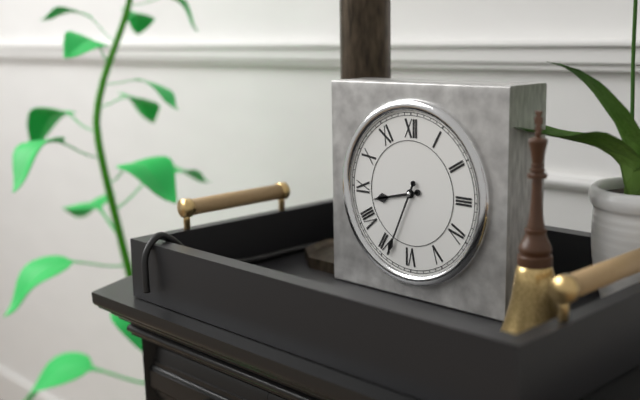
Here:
h=8 m=34
